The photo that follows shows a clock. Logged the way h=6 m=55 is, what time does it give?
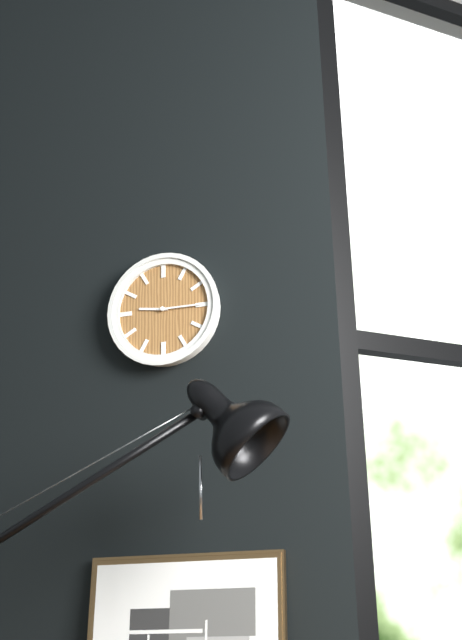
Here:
h=9 m=15
